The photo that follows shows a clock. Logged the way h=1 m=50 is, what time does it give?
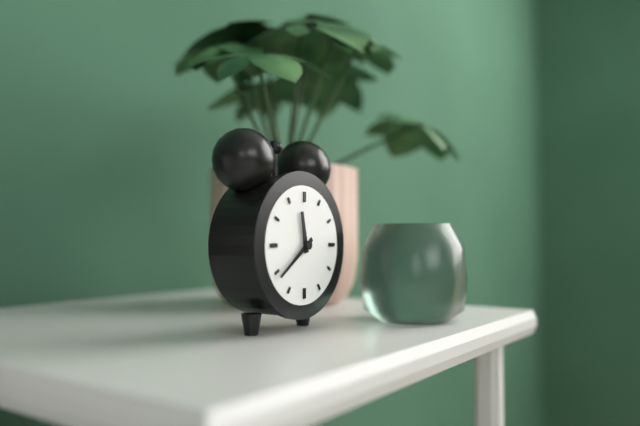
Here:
h=11 m=39
